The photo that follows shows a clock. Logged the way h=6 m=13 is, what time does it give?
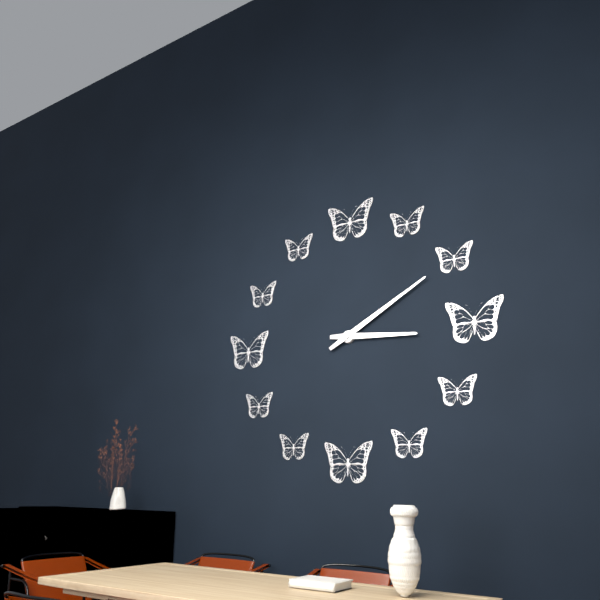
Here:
h=3 m=10
